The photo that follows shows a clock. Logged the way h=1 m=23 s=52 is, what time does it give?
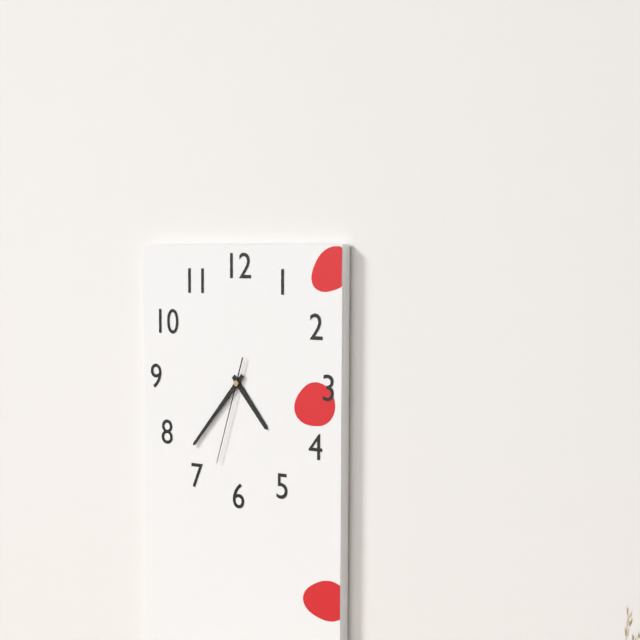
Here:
h=4 m=37 s=33
